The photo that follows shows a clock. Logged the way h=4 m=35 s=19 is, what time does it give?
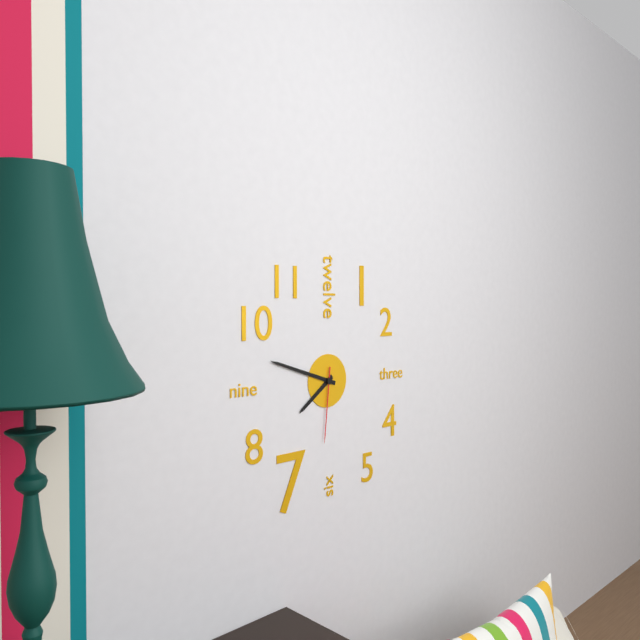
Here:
h=7 m=48 s=31
